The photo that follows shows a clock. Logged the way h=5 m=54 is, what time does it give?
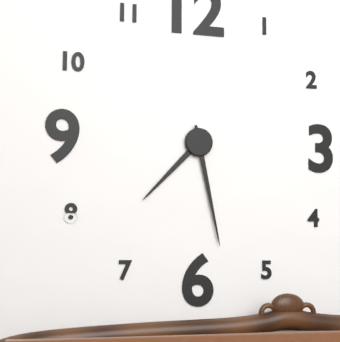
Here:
h=7 m=28
